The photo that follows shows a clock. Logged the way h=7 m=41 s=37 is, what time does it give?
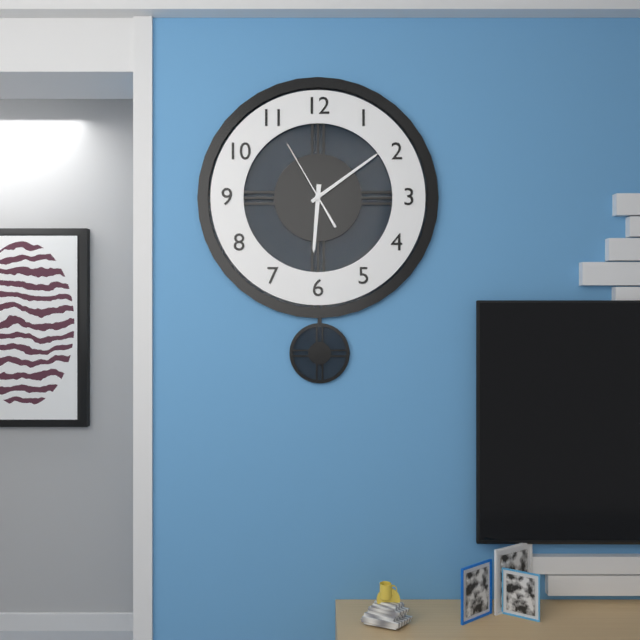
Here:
h=6 m=9 s=55
